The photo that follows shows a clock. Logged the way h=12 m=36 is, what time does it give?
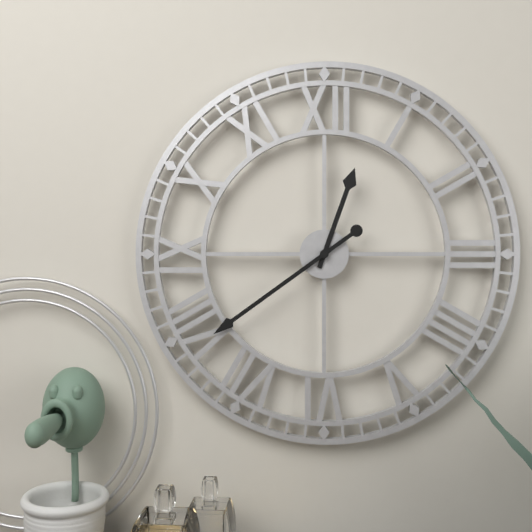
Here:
h=12 m=39
